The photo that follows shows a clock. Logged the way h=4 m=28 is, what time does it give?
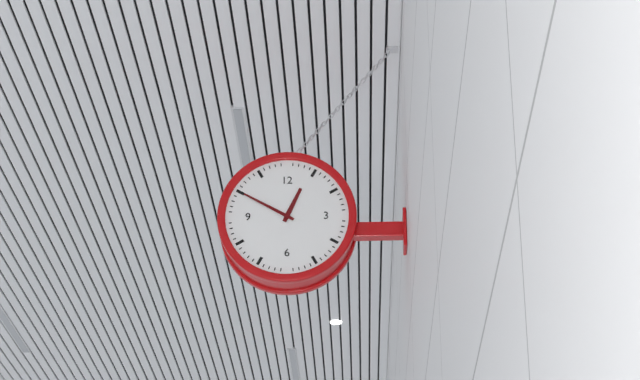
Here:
h=12 m=50
